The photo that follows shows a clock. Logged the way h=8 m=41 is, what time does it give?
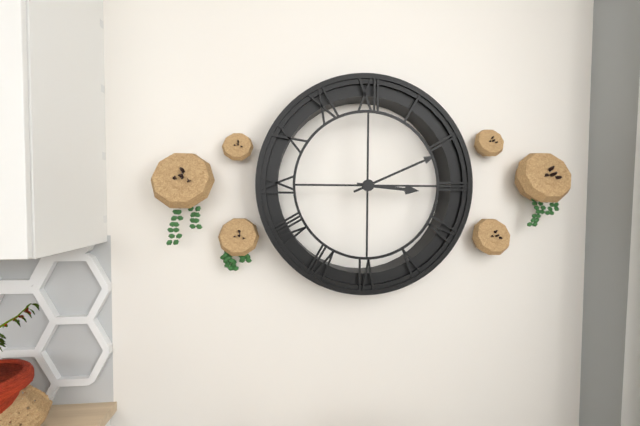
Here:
h=3 m=11
